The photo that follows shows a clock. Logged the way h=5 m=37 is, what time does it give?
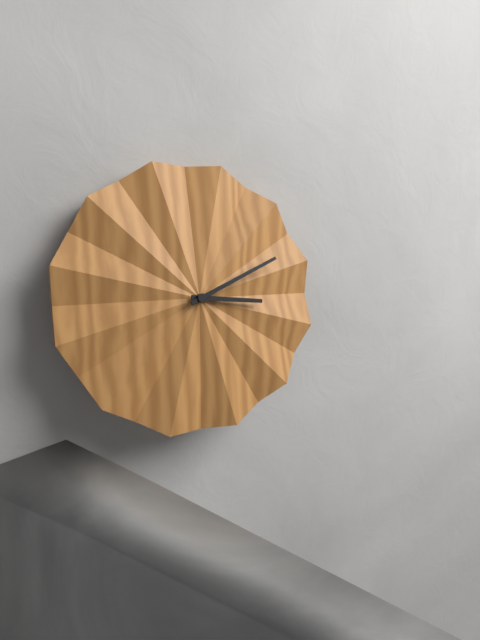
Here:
h=3 m=11
